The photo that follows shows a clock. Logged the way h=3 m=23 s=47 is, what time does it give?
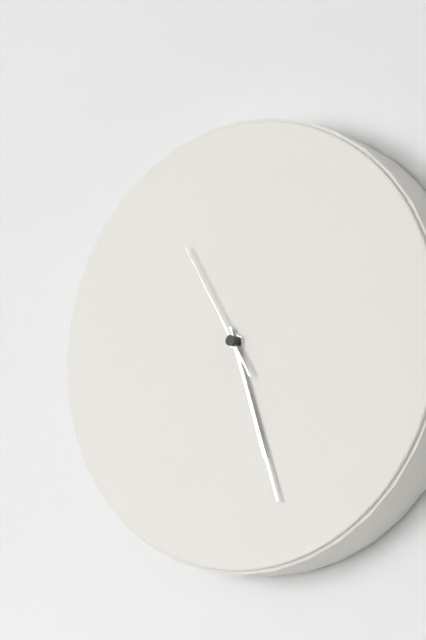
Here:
h=5 m=27 s=55
